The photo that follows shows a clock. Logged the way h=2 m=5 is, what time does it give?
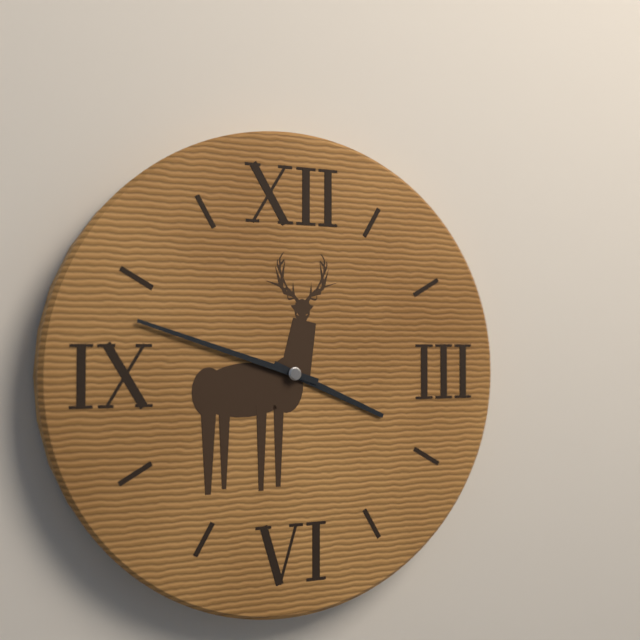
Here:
h=3 m=48
